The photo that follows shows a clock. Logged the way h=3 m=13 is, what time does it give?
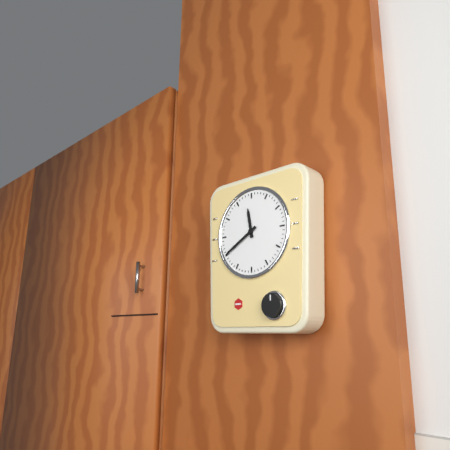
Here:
h=11 m=40
